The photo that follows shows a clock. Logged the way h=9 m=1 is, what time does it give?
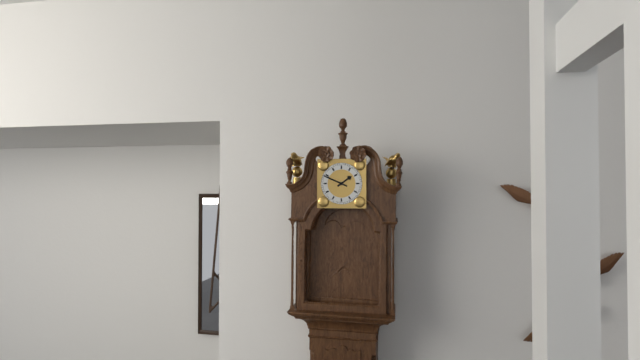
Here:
h=1 m=49
